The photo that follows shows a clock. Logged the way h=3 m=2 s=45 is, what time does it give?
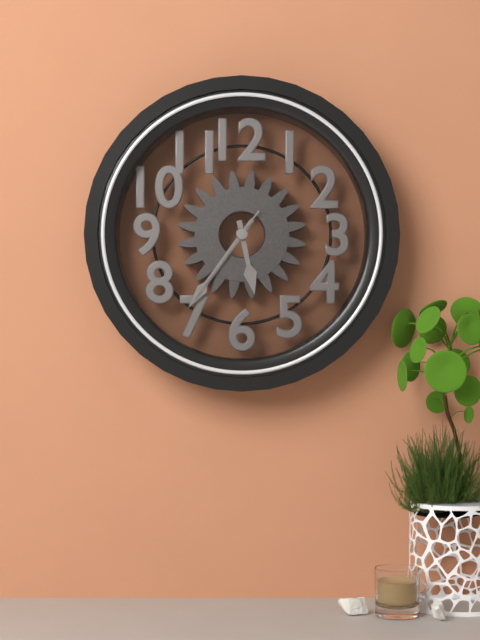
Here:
h=5 m=36 s=36
